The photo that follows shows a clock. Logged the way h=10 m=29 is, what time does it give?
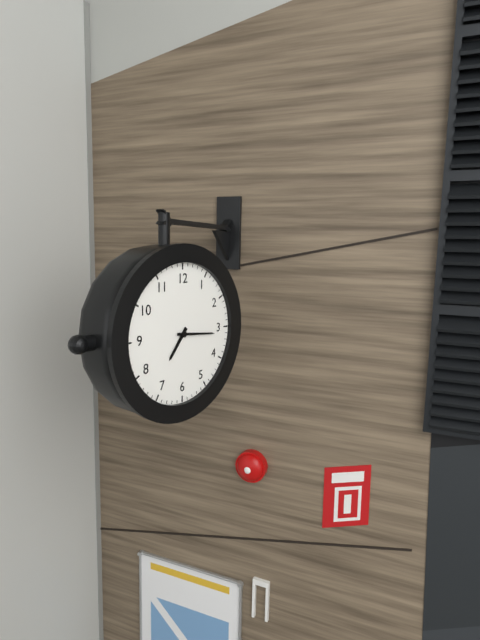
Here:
h=7 m=16
